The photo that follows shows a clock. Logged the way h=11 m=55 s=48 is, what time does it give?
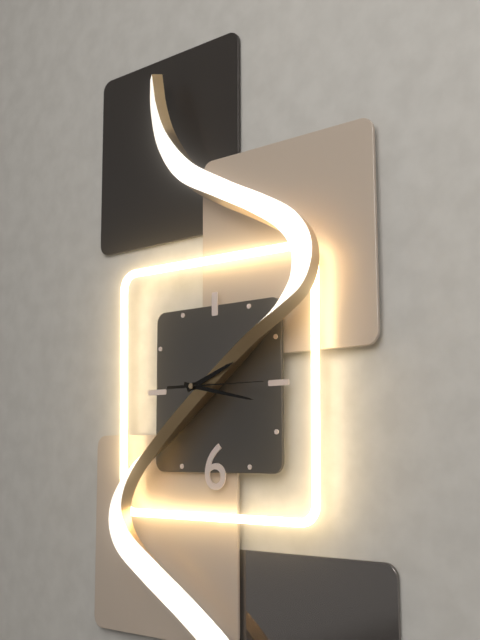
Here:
h=2 m=17 s=15
